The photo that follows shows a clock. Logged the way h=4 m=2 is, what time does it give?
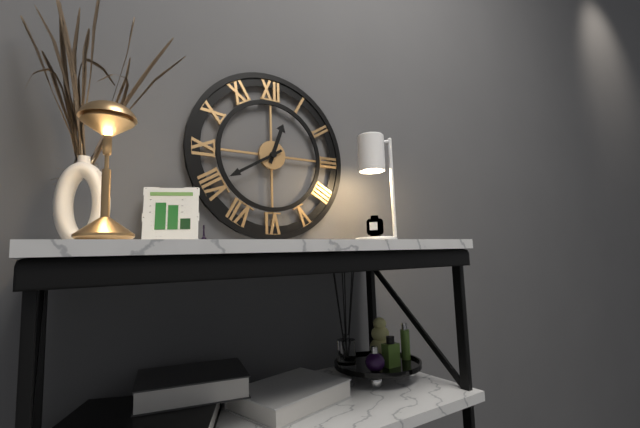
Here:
h=12 m=40
